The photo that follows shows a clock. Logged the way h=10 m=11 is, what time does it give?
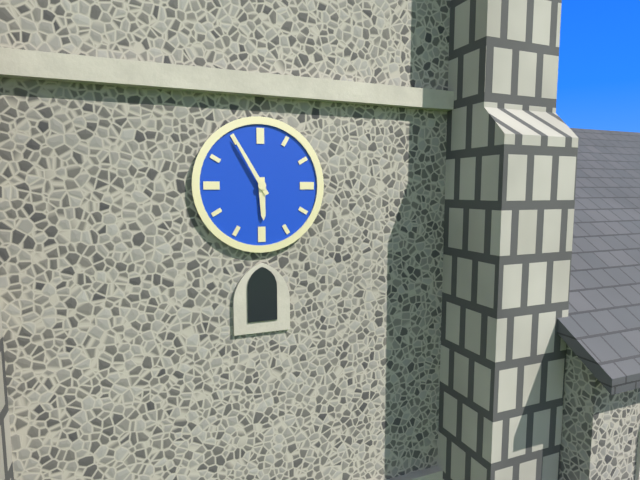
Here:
h=5 m=55
